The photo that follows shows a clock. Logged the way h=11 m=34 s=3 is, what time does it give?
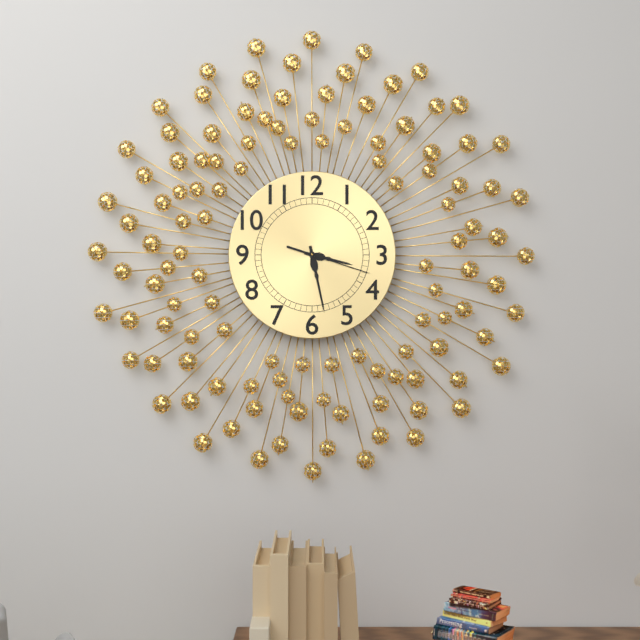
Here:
h=3 m=28 s=18
